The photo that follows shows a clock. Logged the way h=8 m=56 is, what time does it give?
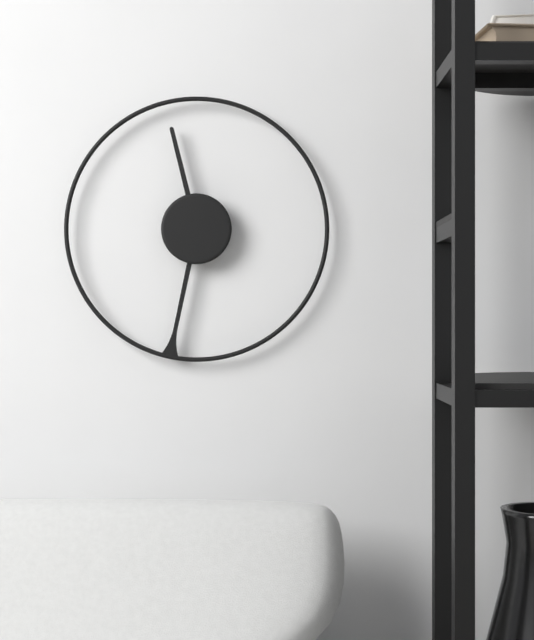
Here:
h=11 m=32
